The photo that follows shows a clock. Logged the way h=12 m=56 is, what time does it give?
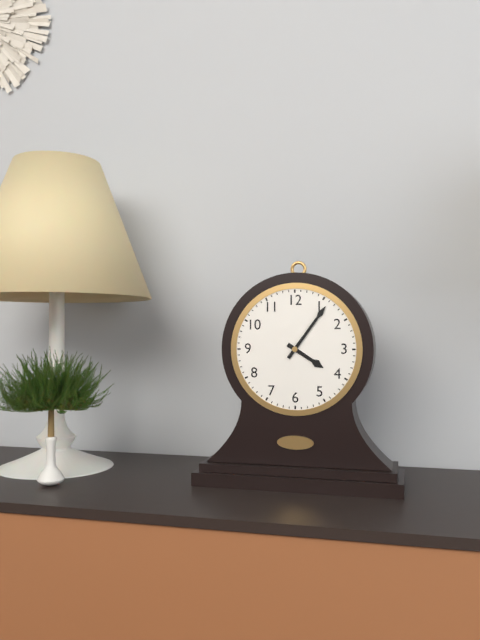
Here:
h=4 m=6
